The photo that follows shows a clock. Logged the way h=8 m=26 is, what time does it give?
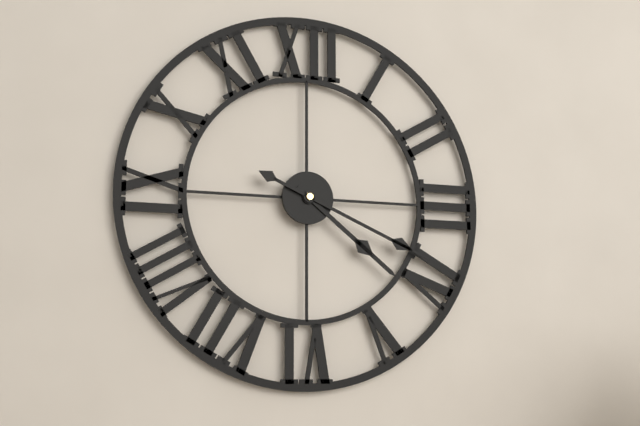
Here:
h=4 m=19
